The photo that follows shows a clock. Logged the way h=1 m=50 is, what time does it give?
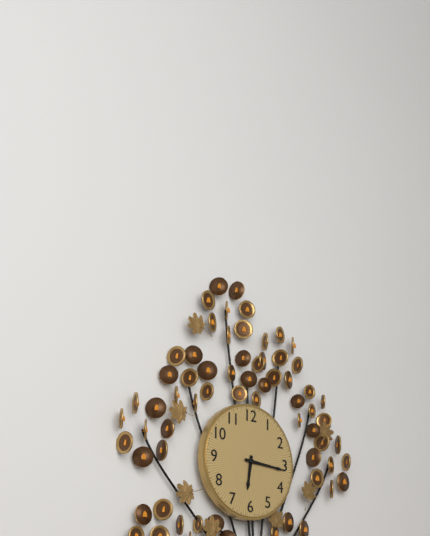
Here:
h=6 m=16
